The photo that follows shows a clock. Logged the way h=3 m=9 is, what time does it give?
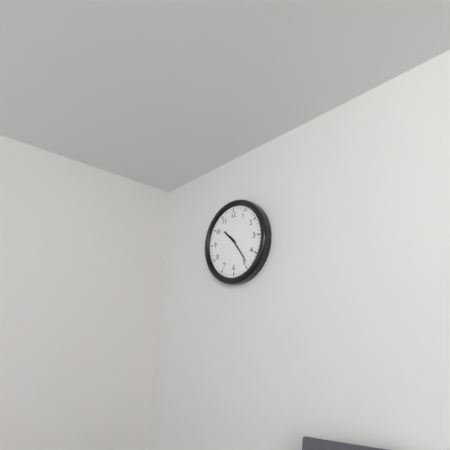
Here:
h=10 m=24
